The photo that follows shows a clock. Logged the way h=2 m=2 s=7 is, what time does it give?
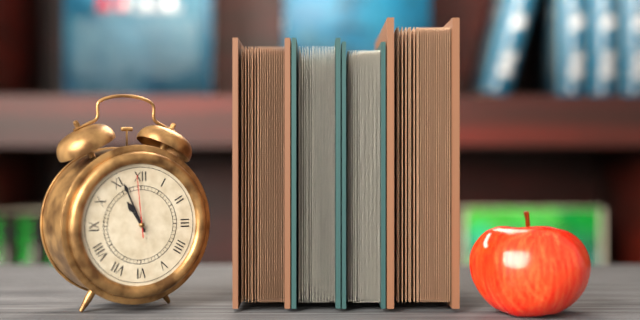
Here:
h=10 m=56 s=59
